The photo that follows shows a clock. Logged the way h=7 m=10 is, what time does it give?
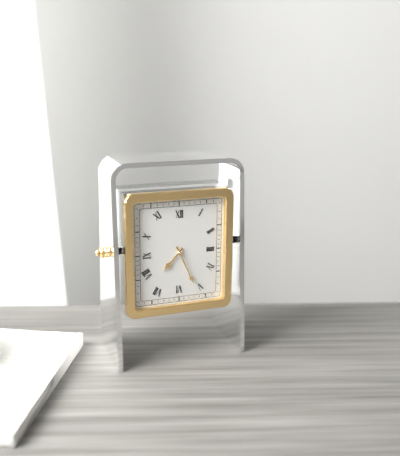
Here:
h=7 m=26
